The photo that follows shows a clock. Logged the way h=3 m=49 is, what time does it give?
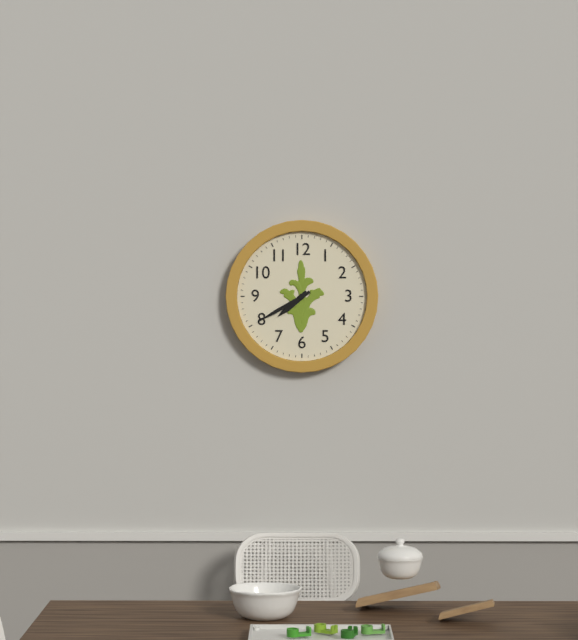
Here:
h=7 m=40
